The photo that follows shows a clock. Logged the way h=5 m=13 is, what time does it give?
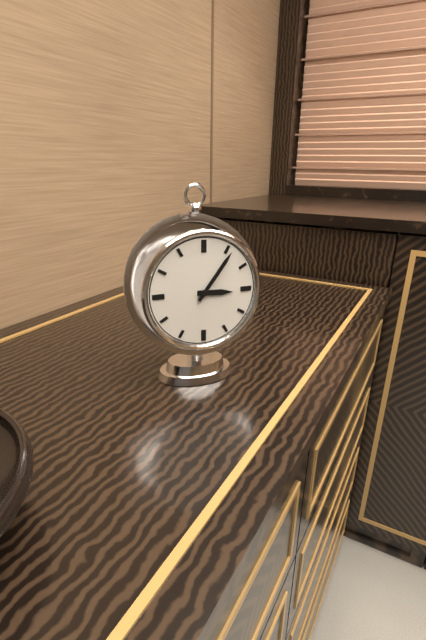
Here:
h=3 m=6
